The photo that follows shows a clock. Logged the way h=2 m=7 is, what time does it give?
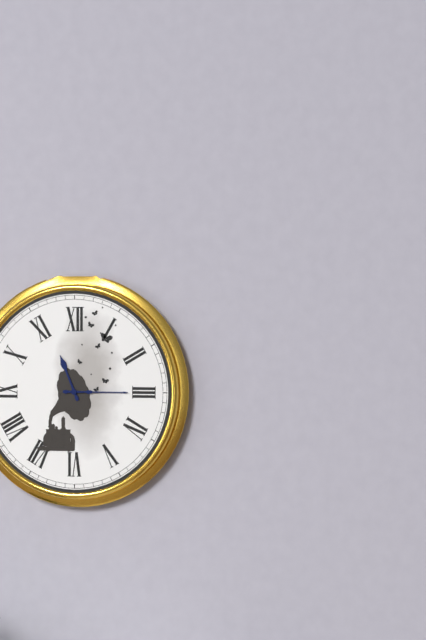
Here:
h=11 m=15
